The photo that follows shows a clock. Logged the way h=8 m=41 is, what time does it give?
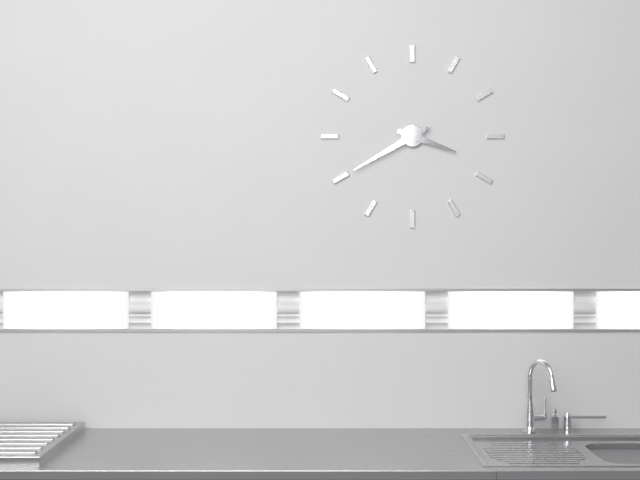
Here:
h=3 m=40
